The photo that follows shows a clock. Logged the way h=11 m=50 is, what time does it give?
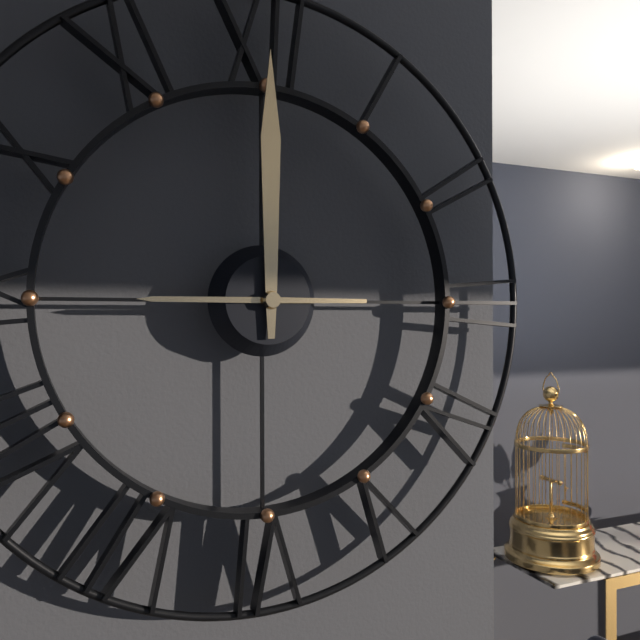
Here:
h=9 m=0
